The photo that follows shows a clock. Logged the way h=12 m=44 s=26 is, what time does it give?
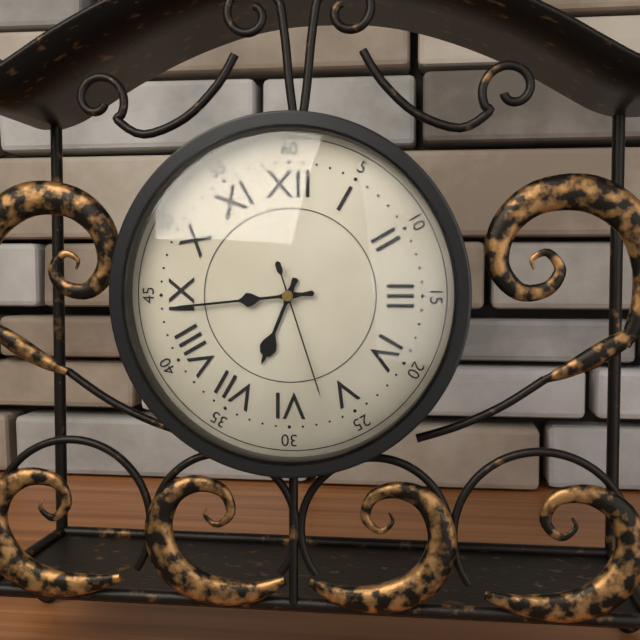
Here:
h=6 m=44 s=27
